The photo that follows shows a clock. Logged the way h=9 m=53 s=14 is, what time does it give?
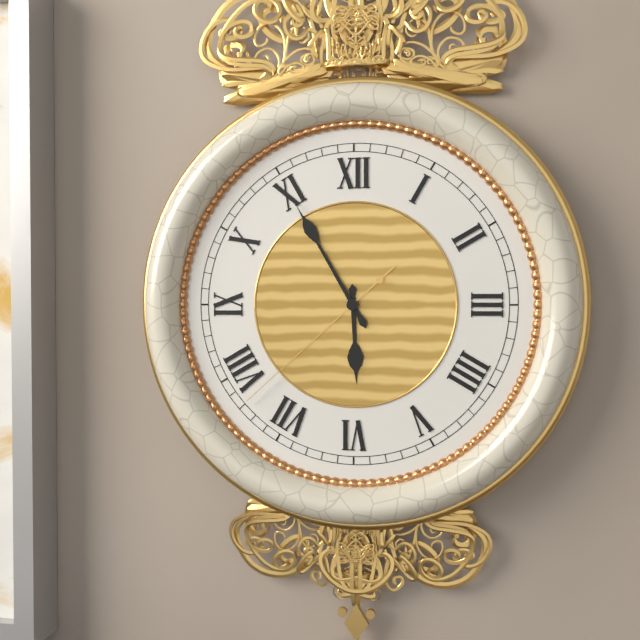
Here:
h=5 m=55 s=38
